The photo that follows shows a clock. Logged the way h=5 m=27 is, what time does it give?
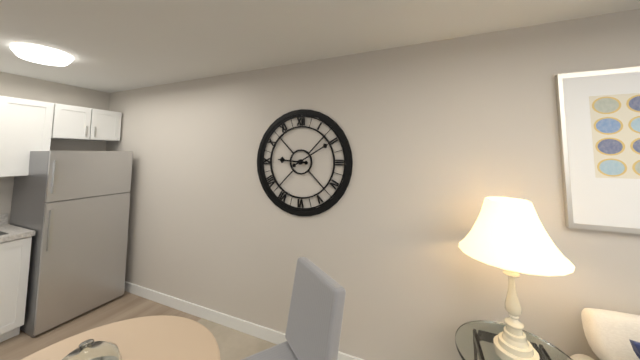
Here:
h=9 m=10
